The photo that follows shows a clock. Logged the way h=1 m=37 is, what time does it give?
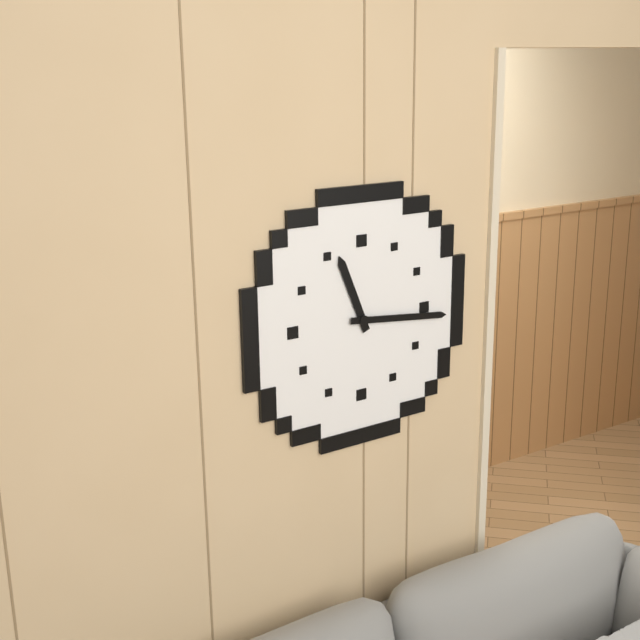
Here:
h=11 m=16
